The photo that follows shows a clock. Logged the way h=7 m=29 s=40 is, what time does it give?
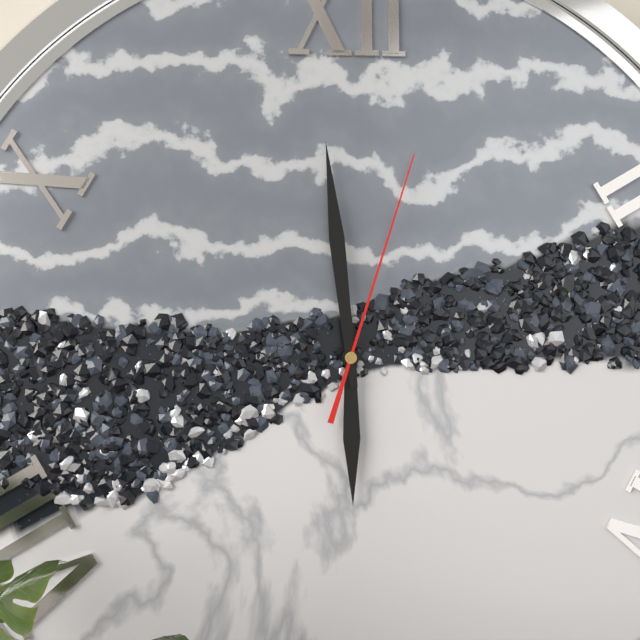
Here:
h=5 m=59 s=3
